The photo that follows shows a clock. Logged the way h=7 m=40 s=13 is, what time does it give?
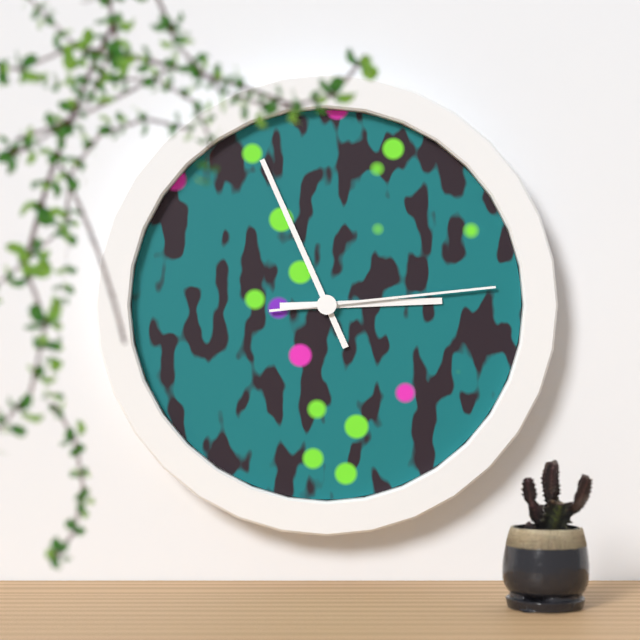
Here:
h=2 m=56 s=14
